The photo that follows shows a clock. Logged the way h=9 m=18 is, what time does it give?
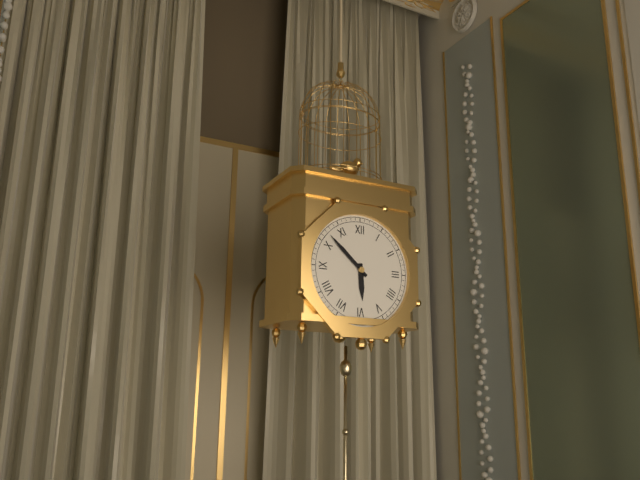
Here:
h=5 m=52
